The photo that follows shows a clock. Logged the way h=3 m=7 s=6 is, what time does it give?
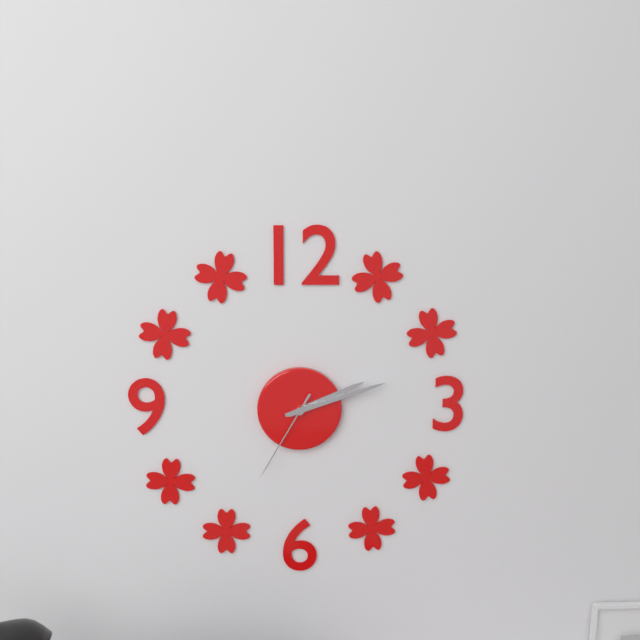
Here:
h=2 m=12 s=35
